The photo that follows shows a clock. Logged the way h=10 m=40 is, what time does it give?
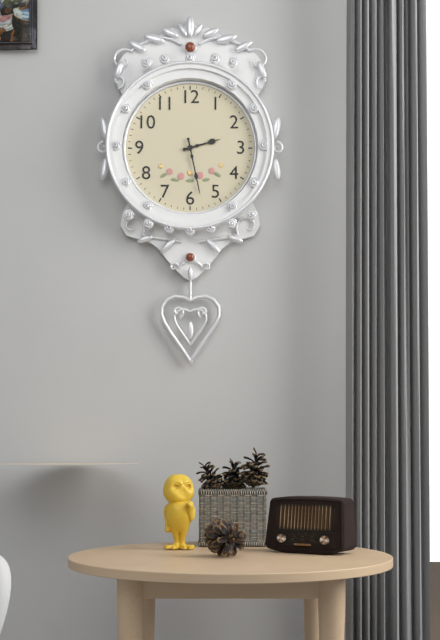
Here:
h=2 m=28
